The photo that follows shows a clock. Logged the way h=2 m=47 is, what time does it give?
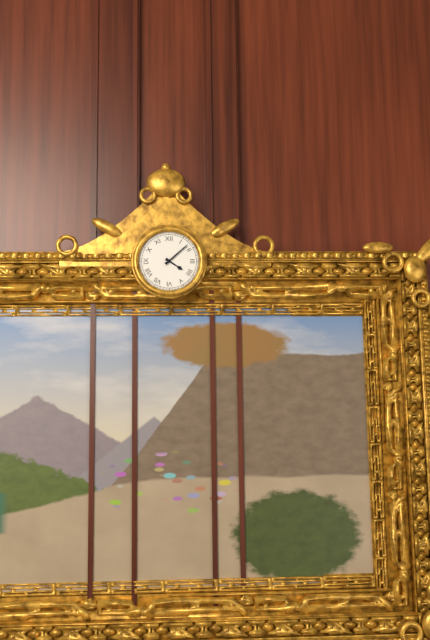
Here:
h=4 m=8
